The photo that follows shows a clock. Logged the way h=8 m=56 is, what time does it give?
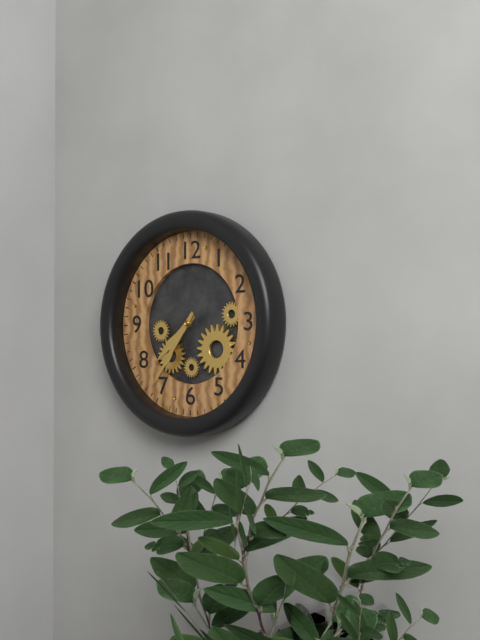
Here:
h=7 m=36
